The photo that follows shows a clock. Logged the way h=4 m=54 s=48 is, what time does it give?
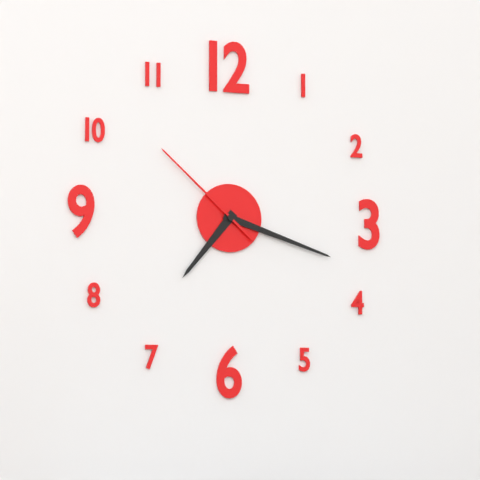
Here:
h=7 m=18 s=52
